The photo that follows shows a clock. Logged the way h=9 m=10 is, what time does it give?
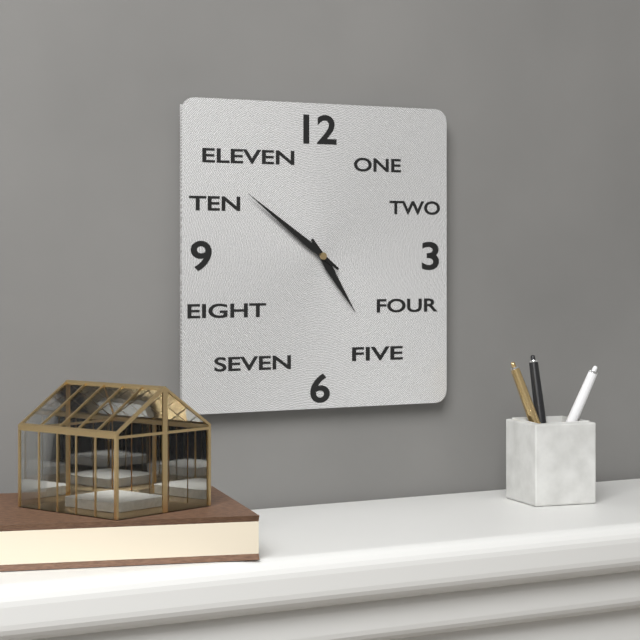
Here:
h=4 m=51
